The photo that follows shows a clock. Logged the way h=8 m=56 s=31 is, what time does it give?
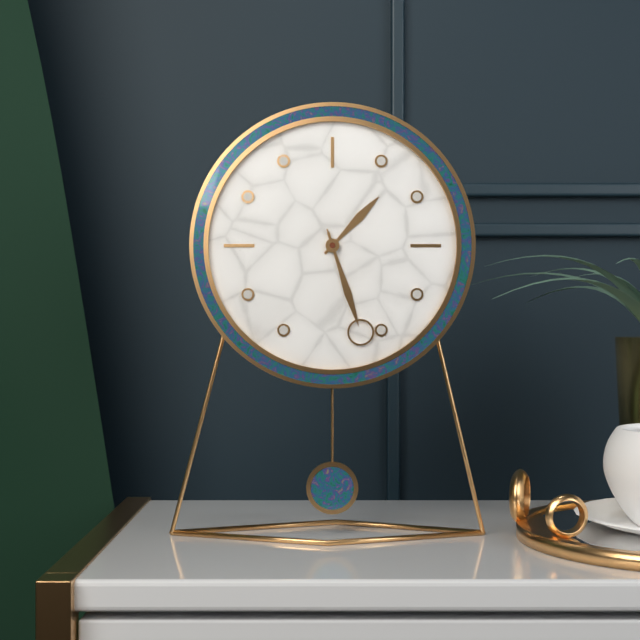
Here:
h=1 m=27 s=27
